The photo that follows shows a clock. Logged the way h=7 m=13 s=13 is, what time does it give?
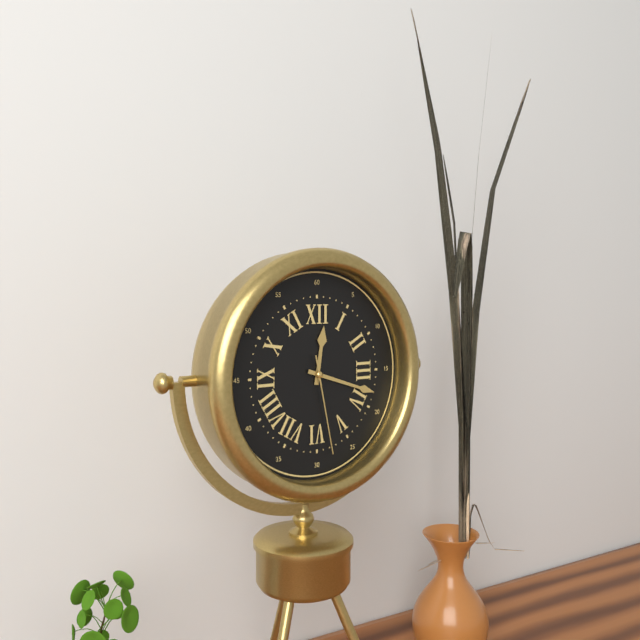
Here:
h=12 m=18 s=28
